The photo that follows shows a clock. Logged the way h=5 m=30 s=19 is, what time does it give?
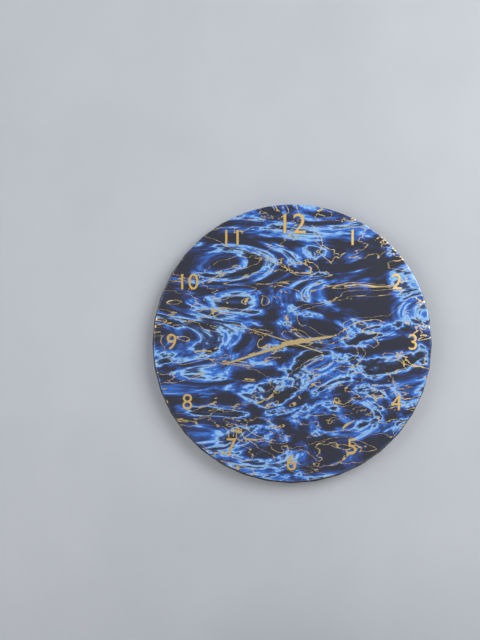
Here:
h=2 m=42 s=48
